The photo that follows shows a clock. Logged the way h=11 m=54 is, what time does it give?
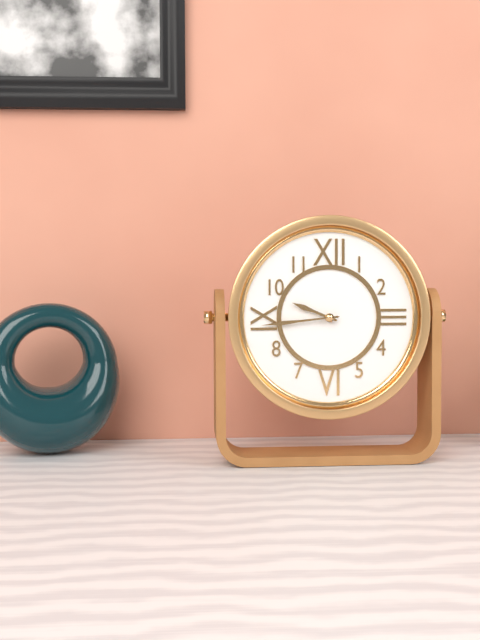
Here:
h=9 m=44
